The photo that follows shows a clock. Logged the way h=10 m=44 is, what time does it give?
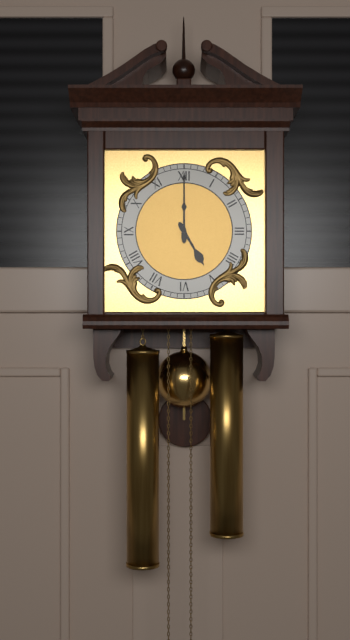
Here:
h=5 m=0
